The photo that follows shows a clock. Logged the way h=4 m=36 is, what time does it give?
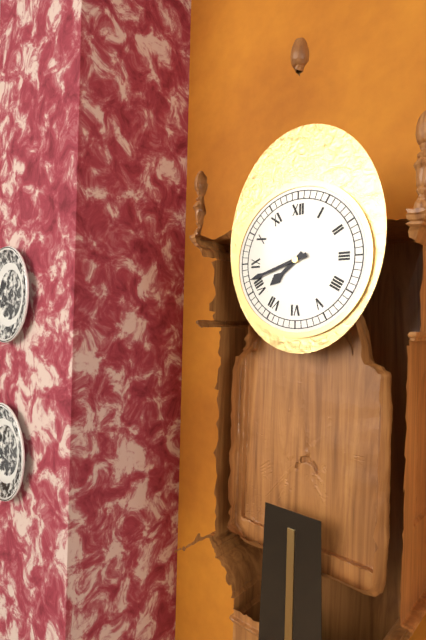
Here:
h=7 m=42
